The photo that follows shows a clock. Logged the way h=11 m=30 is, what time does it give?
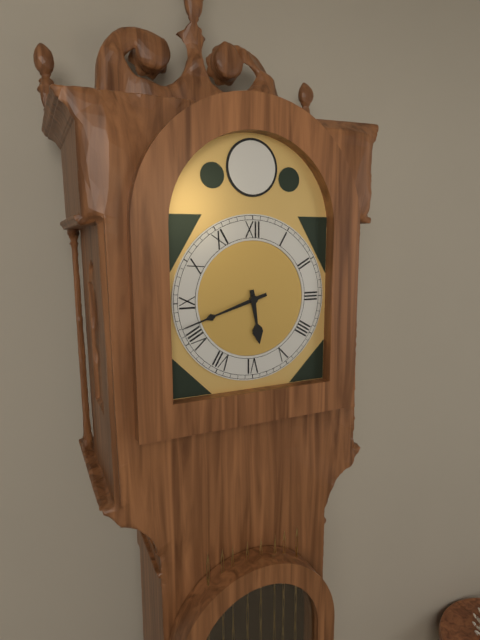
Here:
h=5 m=42
